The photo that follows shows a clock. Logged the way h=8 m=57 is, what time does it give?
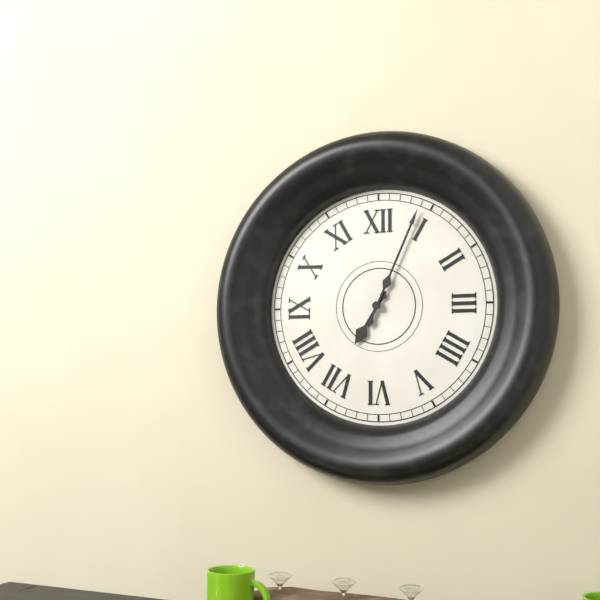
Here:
h=7 m=4
